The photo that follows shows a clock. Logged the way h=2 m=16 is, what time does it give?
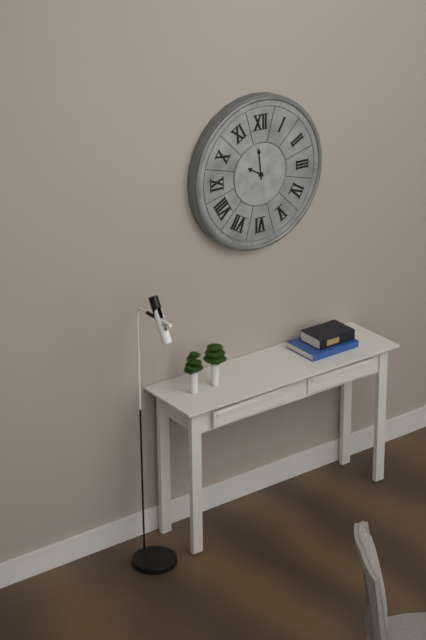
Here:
h=9 m=59
